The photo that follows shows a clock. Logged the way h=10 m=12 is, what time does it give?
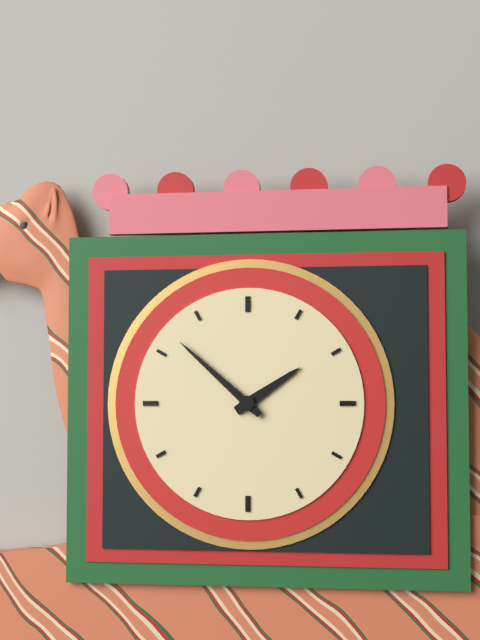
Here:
h=1 m=52
